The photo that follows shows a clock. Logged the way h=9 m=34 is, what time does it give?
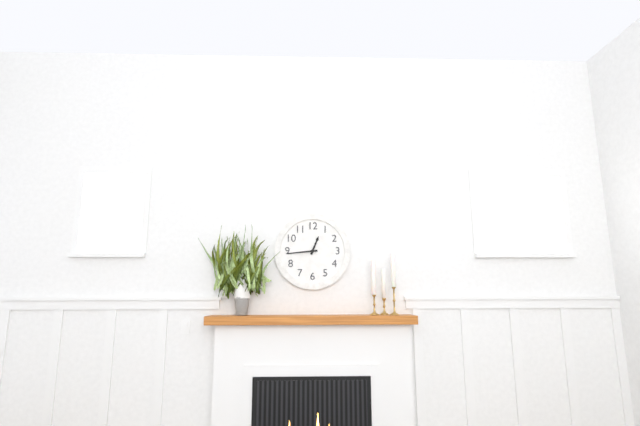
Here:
h=12 m=44
